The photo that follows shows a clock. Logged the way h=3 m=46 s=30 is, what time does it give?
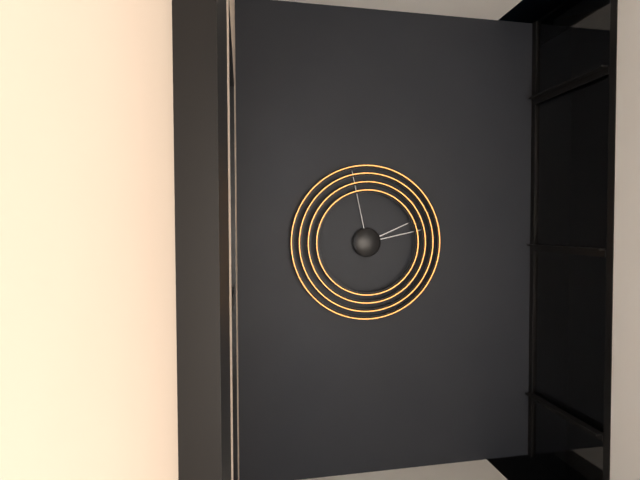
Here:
h=2 m=13 s=58
